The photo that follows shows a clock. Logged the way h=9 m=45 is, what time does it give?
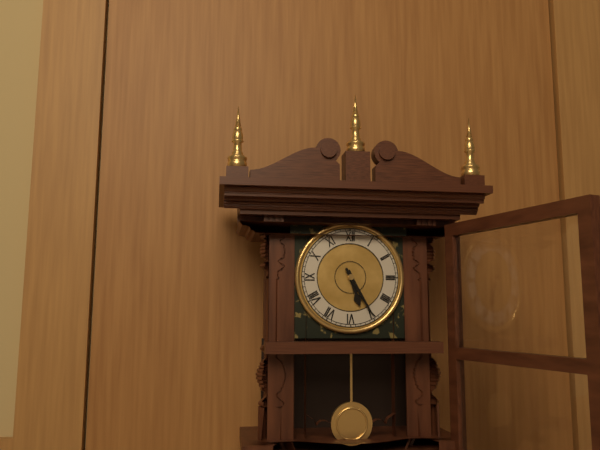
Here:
h=5 m=25
